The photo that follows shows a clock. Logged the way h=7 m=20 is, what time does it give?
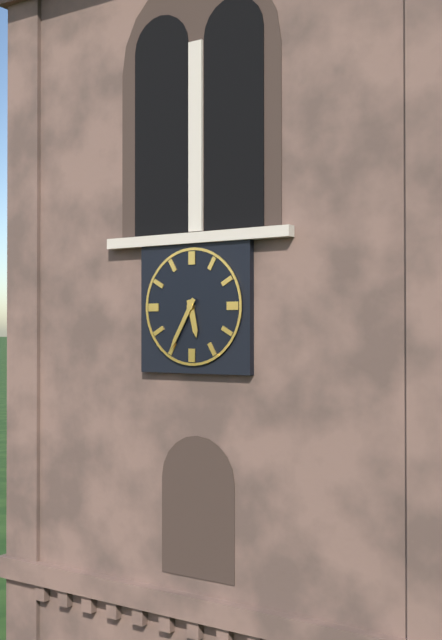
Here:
h=5 m=35
